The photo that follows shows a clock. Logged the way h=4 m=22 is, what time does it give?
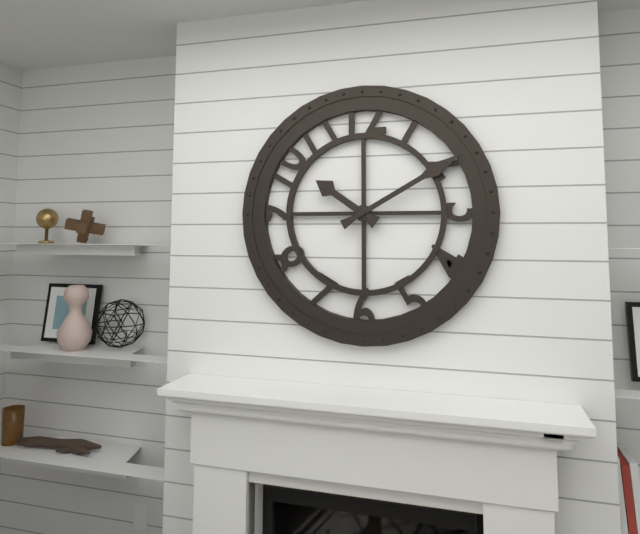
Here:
h=10 m=10
